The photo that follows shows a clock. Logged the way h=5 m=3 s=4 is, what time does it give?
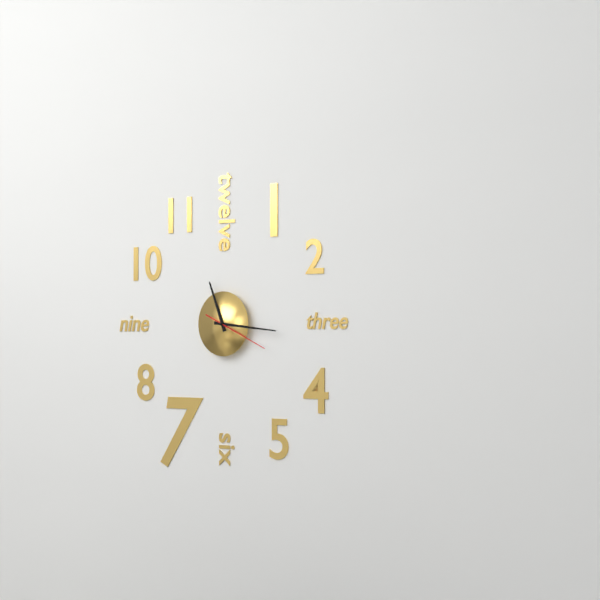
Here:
h=11 m=16 s=19
